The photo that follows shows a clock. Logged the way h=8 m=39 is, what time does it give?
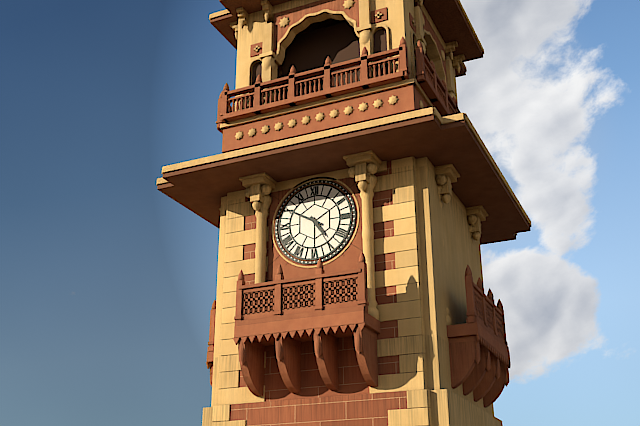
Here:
h=4 m=50
